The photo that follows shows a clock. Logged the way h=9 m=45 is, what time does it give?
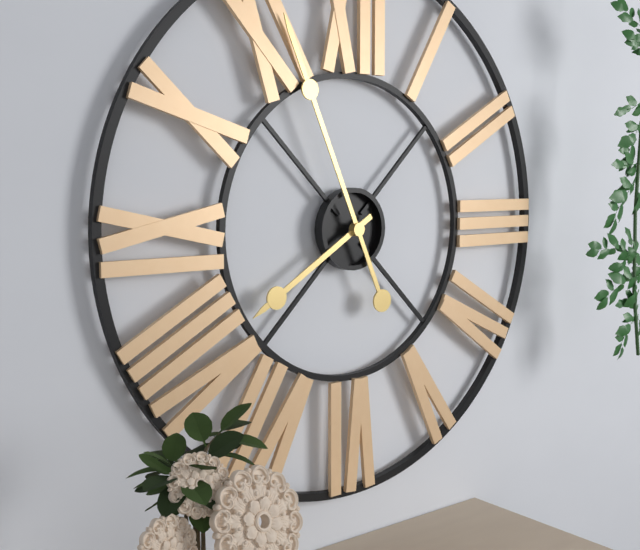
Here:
h=7 m=56
